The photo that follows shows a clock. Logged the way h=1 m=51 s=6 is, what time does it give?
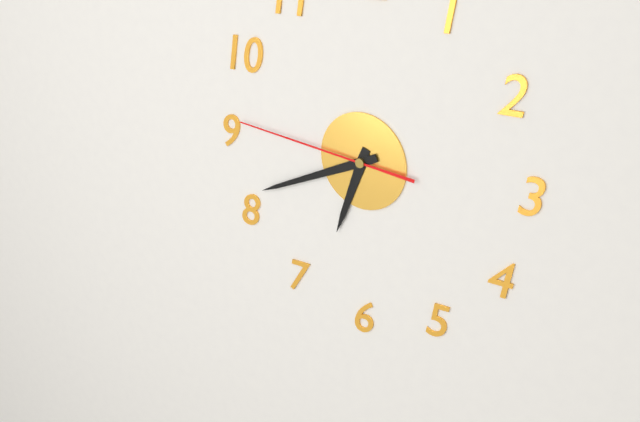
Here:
h=6 m=41 s=46
